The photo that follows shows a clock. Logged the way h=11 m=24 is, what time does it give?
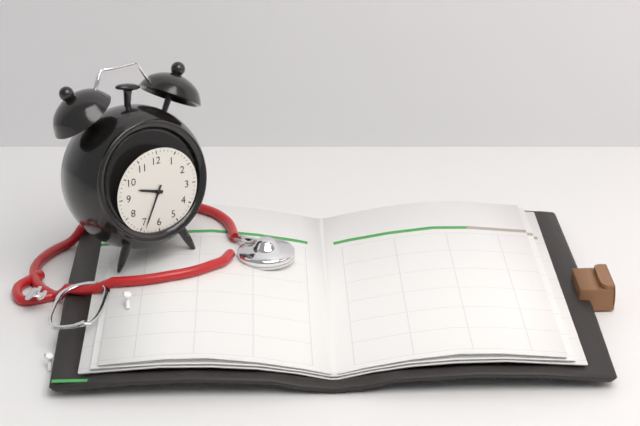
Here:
h=9 m=34
